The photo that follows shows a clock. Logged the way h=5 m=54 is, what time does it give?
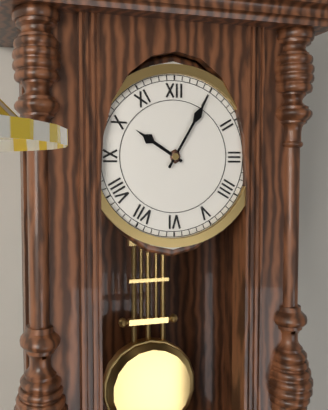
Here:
h=10 m=5
